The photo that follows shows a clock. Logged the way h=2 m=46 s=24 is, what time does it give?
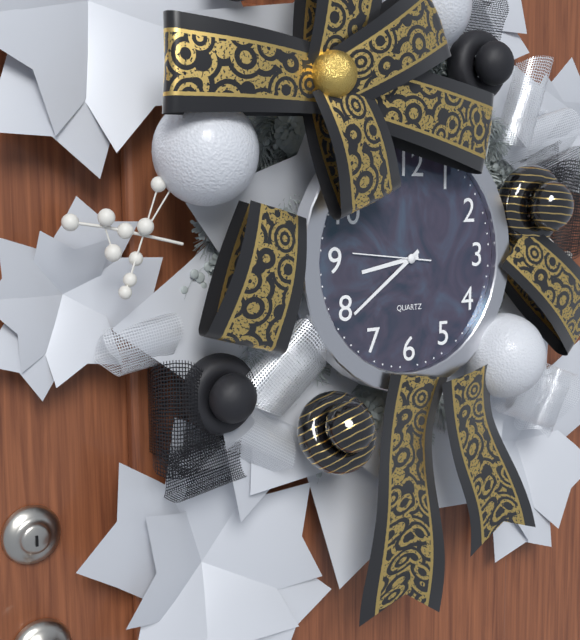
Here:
h=8 m=39 s=46
